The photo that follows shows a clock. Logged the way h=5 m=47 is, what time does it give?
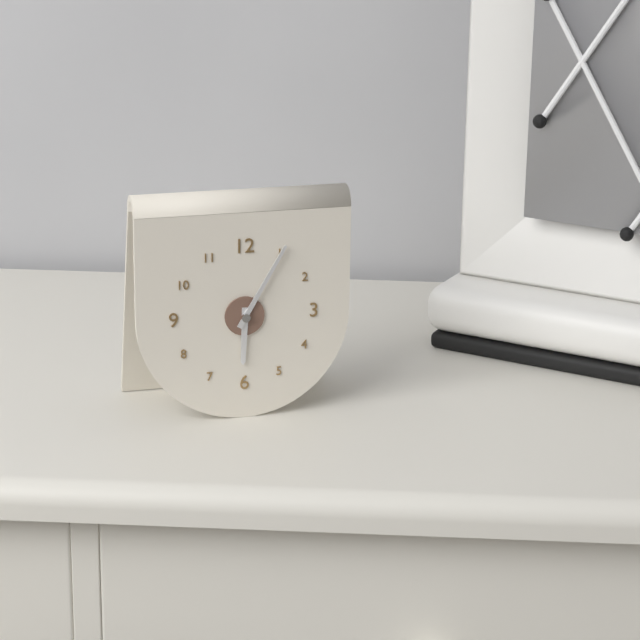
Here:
h=6 m=5
